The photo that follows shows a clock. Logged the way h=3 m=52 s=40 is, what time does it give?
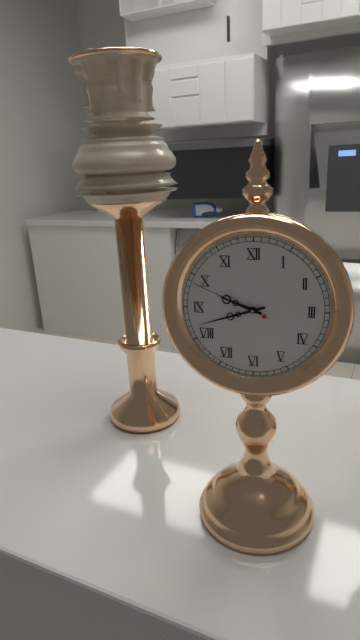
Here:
h=9 m=42 s=49
